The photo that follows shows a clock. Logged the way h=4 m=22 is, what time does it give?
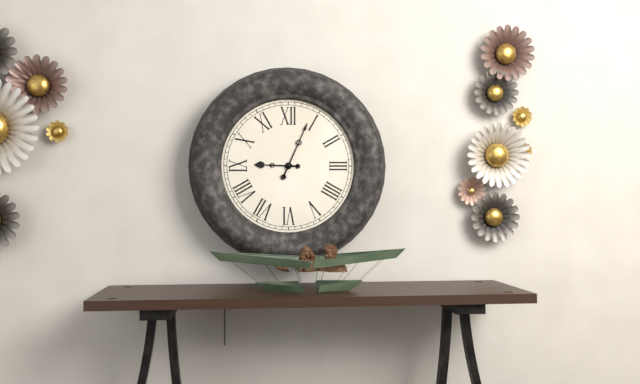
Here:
h=9 m=4
